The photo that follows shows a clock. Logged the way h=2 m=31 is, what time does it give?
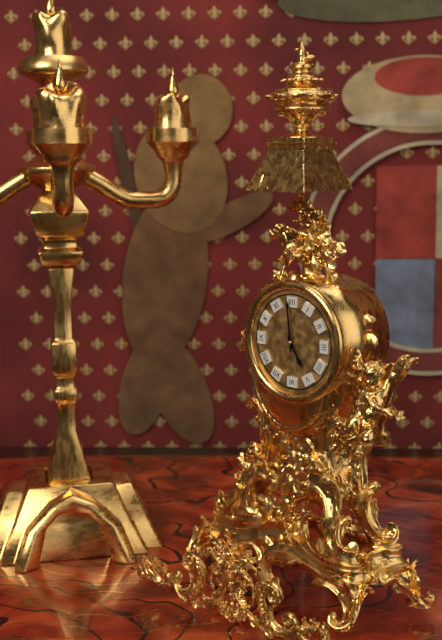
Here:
h=4 m=59
